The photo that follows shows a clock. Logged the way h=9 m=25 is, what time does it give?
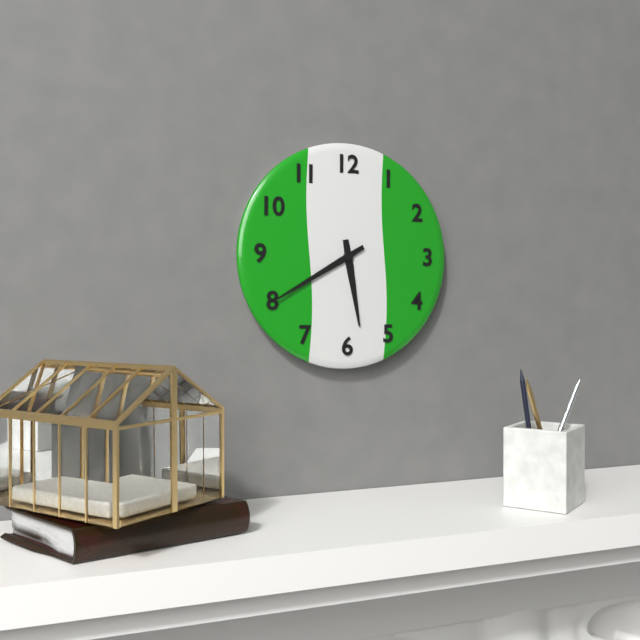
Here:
h=5 m=40
